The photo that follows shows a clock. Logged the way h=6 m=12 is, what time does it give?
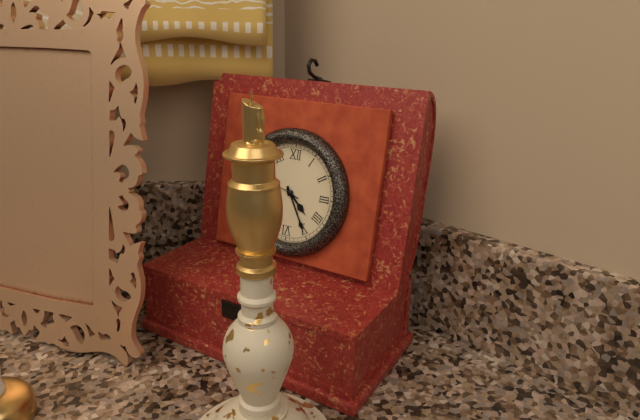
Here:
h=4 m=25
